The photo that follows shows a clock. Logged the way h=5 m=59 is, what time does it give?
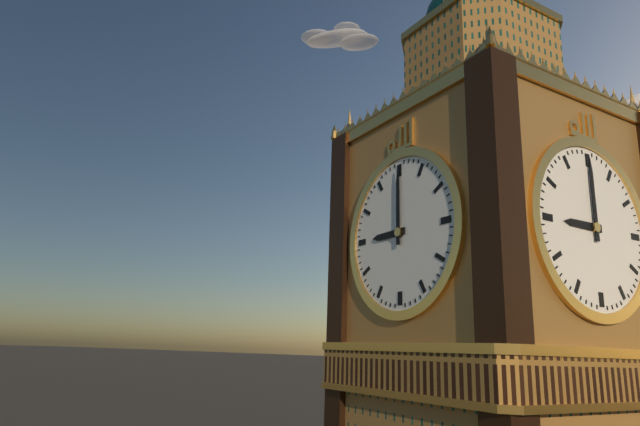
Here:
h=9 m=0
